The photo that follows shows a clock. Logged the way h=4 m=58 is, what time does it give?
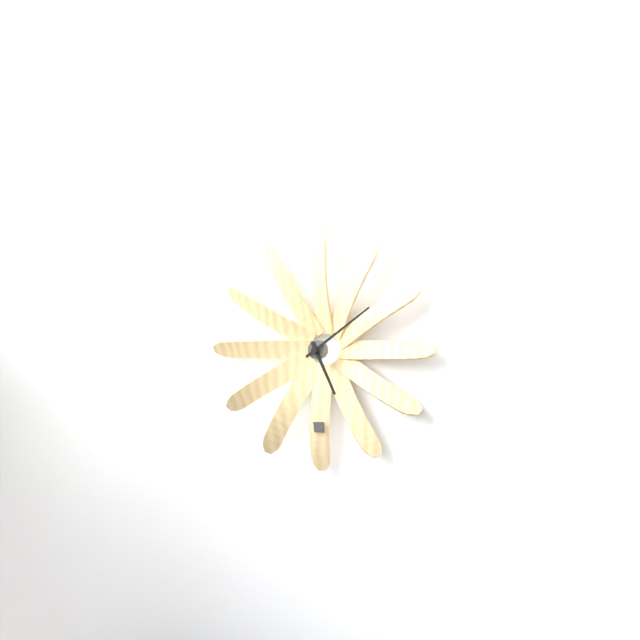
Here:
h=5 m=9
